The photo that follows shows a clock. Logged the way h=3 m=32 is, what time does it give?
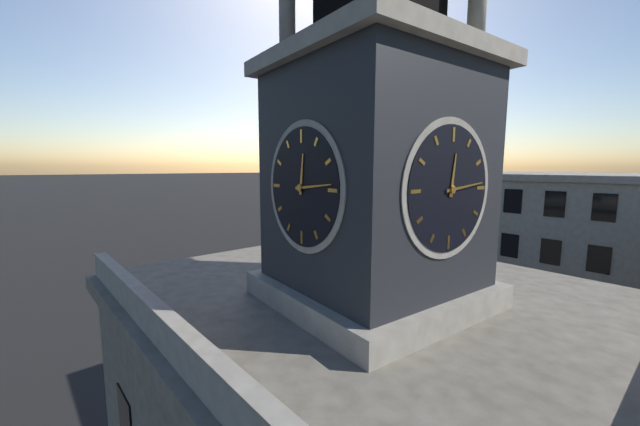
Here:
h=12 m=14
